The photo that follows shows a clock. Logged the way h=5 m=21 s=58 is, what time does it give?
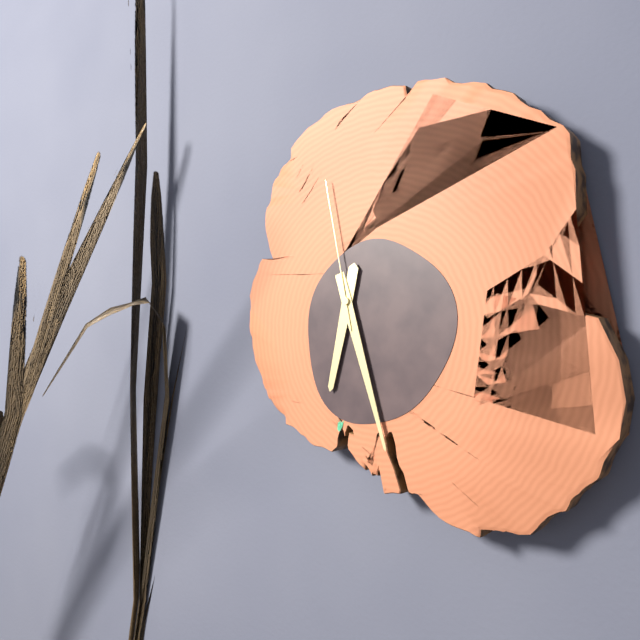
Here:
h=6 m=27 s=58
